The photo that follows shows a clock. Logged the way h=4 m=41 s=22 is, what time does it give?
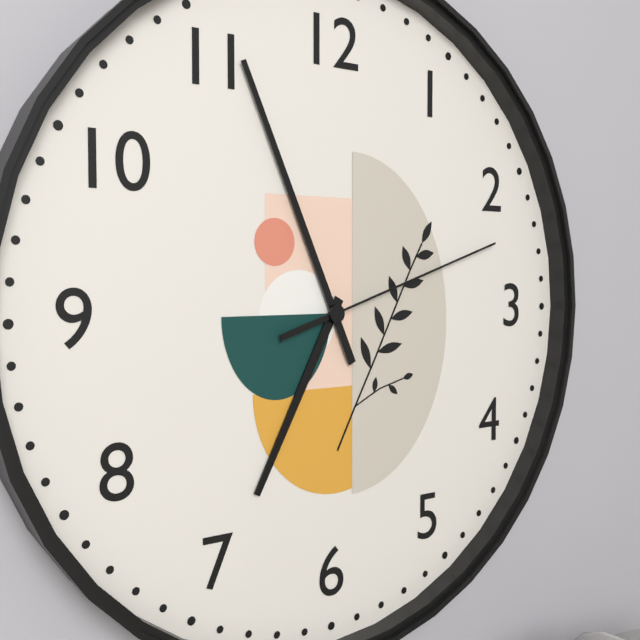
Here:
h=6 m=56 s=12
